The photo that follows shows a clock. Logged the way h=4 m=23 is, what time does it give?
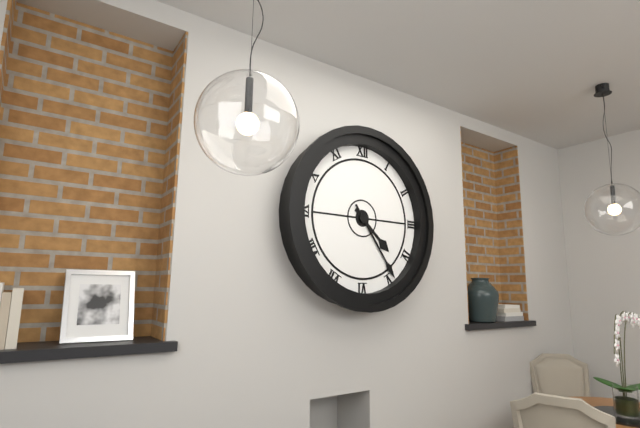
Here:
h=4 m=24
